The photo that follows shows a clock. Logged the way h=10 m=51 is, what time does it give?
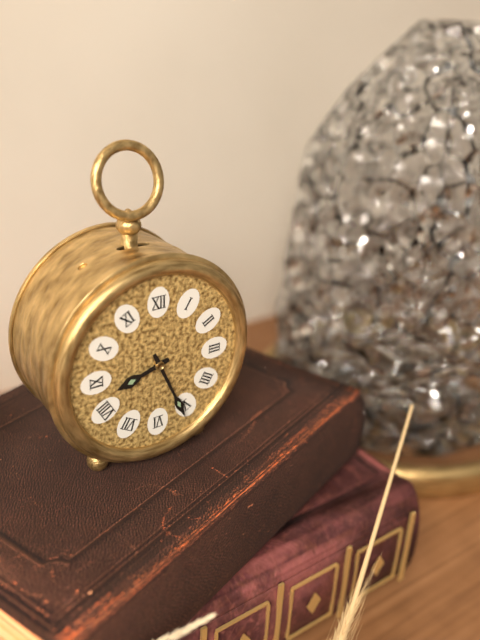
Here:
h=8 m=26
